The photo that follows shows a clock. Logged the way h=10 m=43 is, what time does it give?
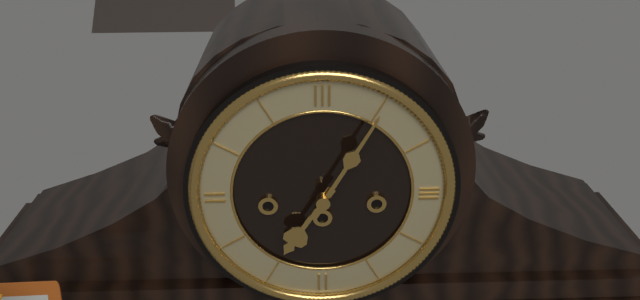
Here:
h=7 m=5
